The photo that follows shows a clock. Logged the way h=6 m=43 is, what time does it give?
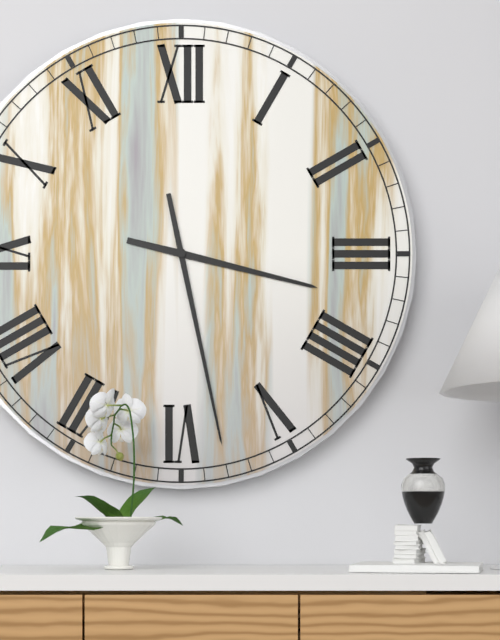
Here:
h=3 m=28
